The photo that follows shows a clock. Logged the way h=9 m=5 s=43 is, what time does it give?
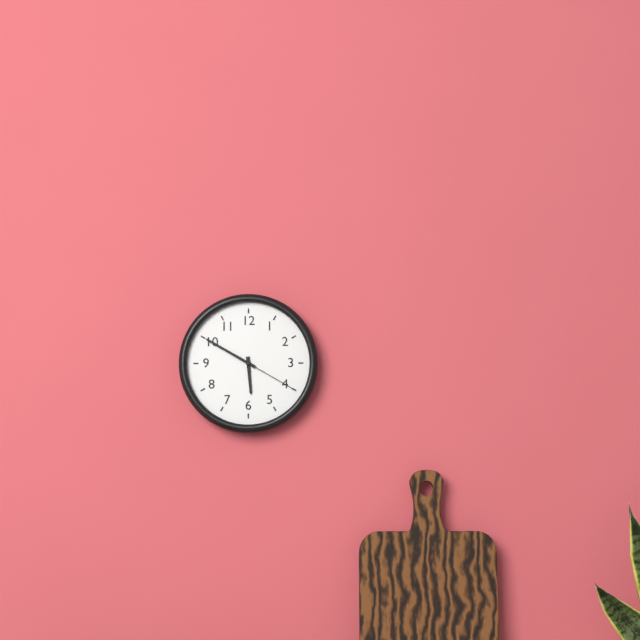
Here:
h=5 m=50 s=20
